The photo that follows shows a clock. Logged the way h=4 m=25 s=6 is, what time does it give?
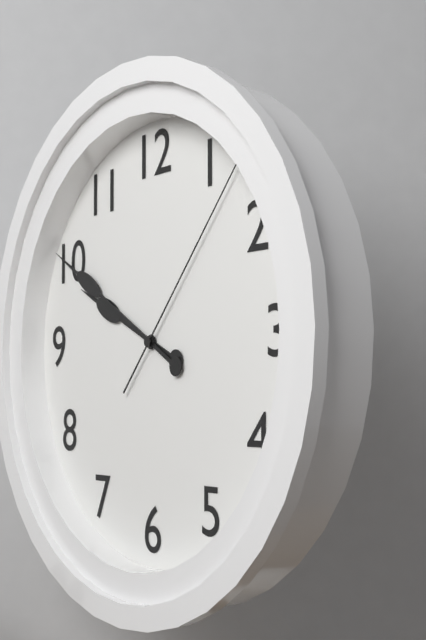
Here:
h=9 m=50 s=7
